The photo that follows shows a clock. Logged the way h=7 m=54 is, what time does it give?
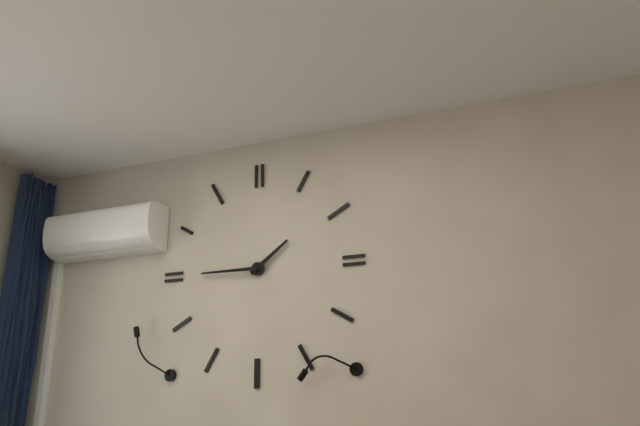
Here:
h=1 m=45
